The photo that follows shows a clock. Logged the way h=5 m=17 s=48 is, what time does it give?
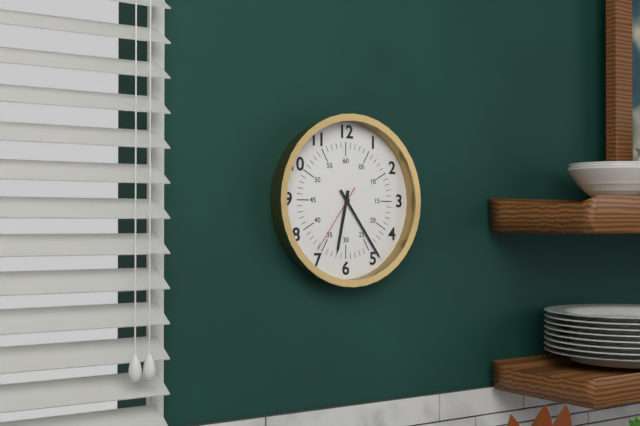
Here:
h=6 m=24 s=36
